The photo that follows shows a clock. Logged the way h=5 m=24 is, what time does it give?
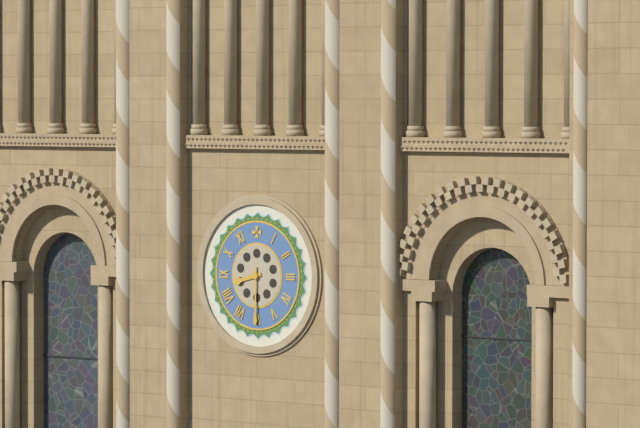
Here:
h=8 m=30
